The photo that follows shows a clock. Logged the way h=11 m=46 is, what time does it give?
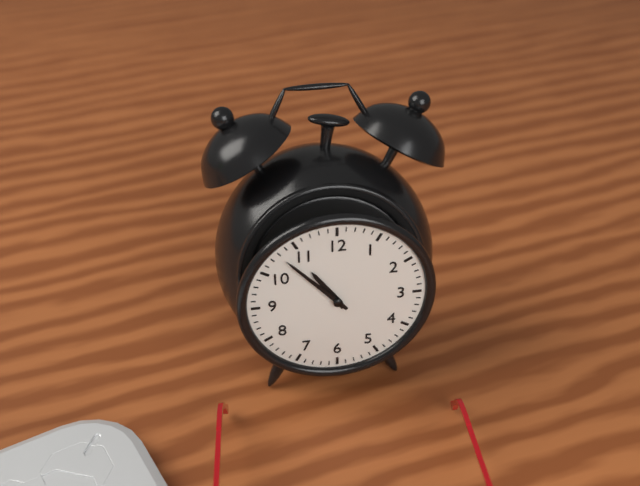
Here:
h=10 m=53
